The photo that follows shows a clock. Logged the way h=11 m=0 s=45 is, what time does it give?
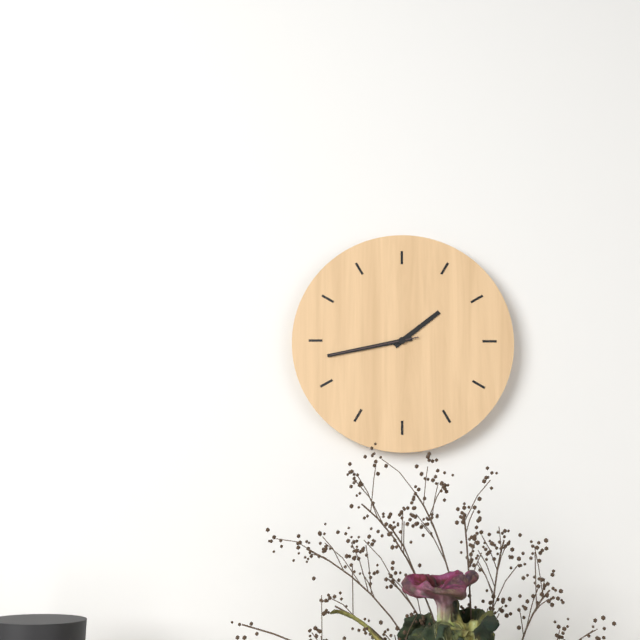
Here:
h=1 m=43 s=43
